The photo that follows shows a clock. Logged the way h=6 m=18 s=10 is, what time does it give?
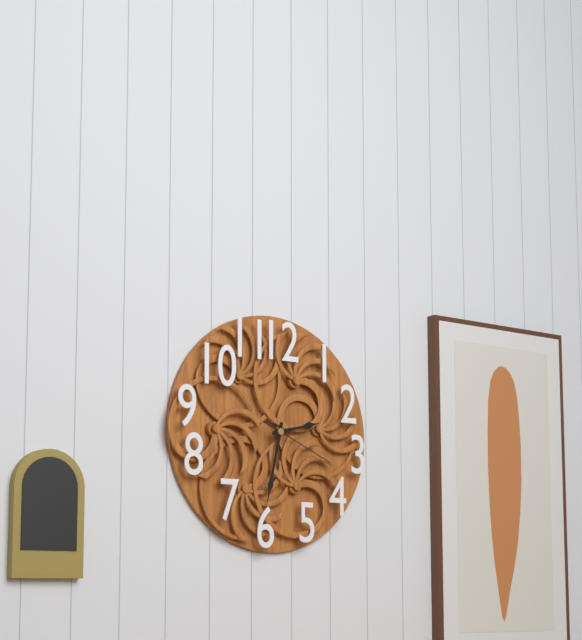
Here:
h=2 m=32 s=19
